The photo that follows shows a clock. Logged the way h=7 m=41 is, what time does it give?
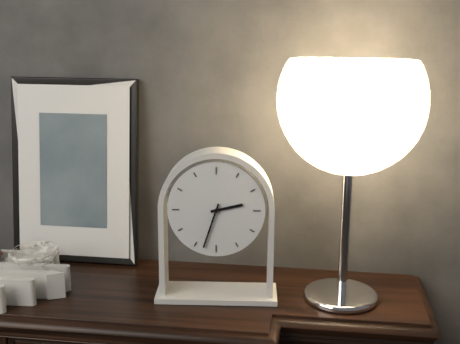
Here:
h=2 m=33
